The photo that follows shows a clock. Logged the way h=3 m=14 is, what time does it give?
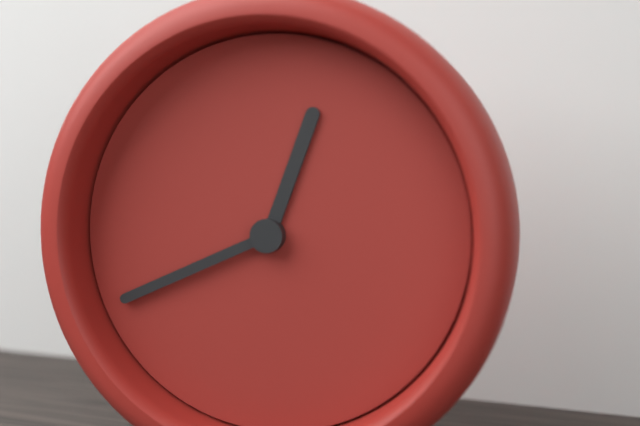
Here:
h=12 m=41
